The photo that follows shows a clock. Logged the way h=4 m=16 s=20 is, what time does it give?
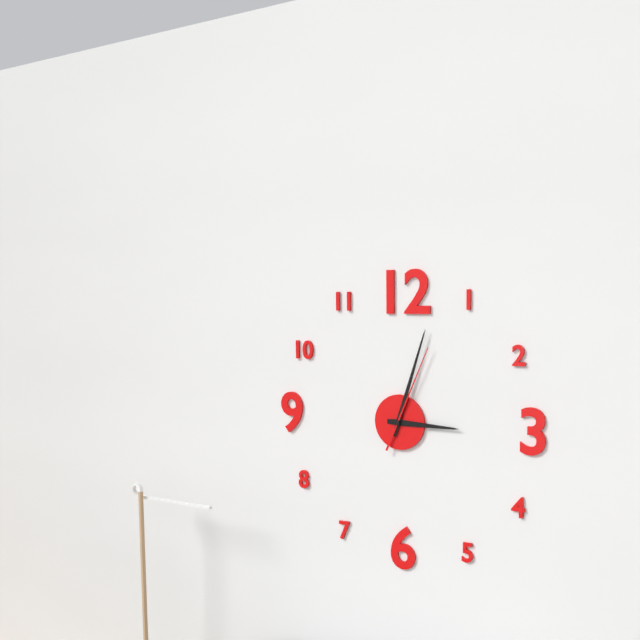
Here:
h=3 m=3 s=4
